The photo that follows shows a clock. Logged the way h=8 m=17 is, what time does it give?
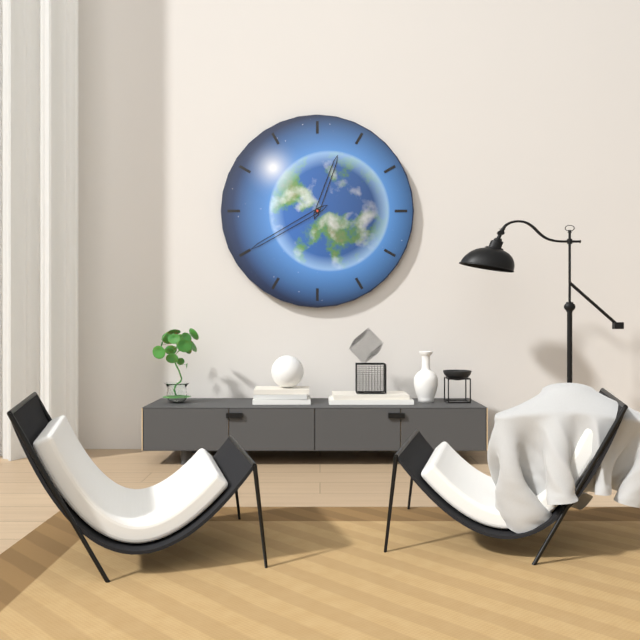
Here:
h=12 m=40
